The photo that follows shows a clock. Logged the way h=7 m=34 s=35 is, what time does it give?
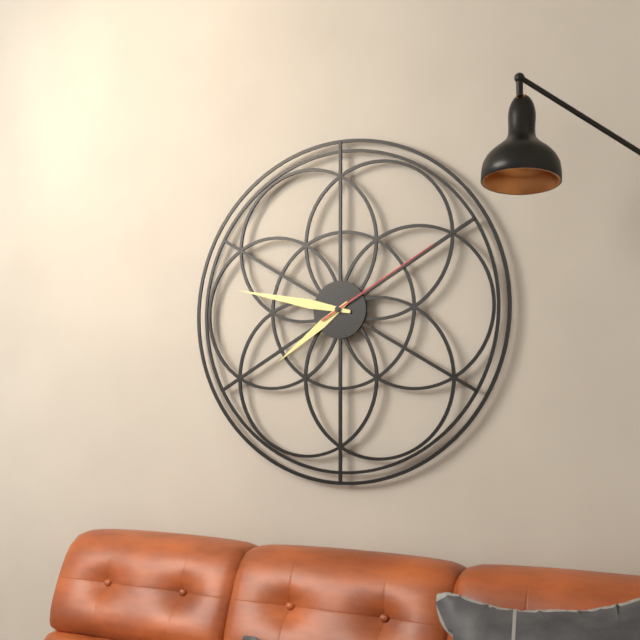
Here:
h=7 m=47 s=10
